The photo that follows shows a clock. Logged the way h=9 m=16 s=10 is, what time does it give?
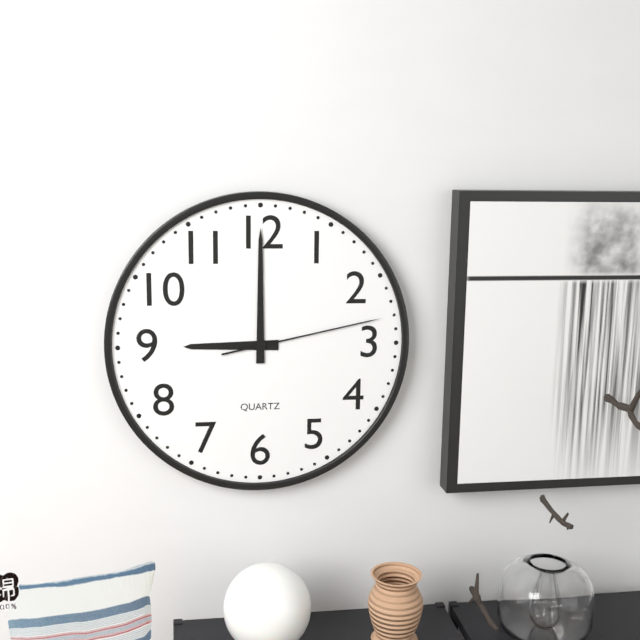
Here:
h=9 m=0 s=13
